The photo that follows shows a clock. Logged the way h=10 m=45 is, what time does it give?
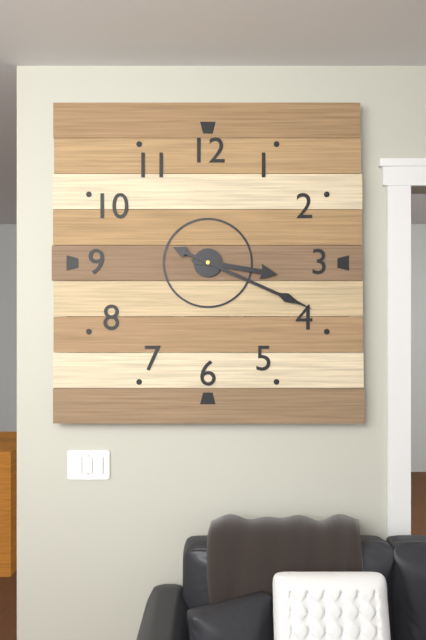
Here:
h=3 m=19
